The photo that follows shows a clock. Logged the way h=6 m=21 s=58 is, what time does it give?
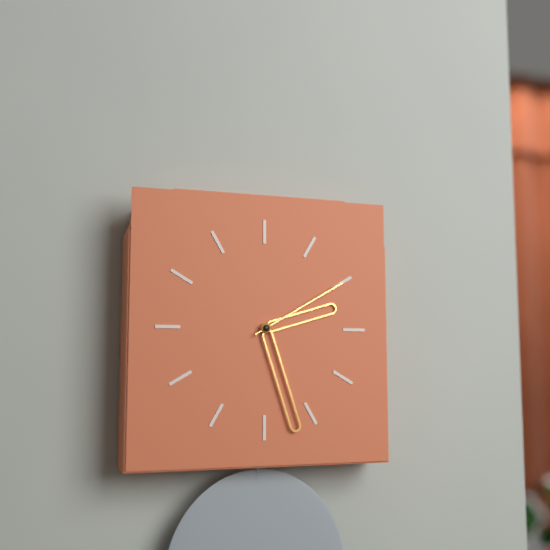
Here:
h=2 m=27 s=10
